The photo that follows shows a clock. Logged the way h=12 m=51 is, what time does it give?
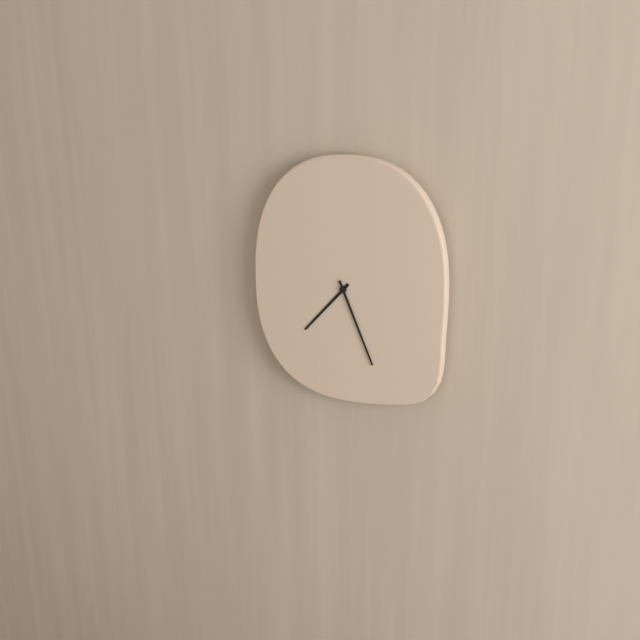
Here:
h=7 m=26
